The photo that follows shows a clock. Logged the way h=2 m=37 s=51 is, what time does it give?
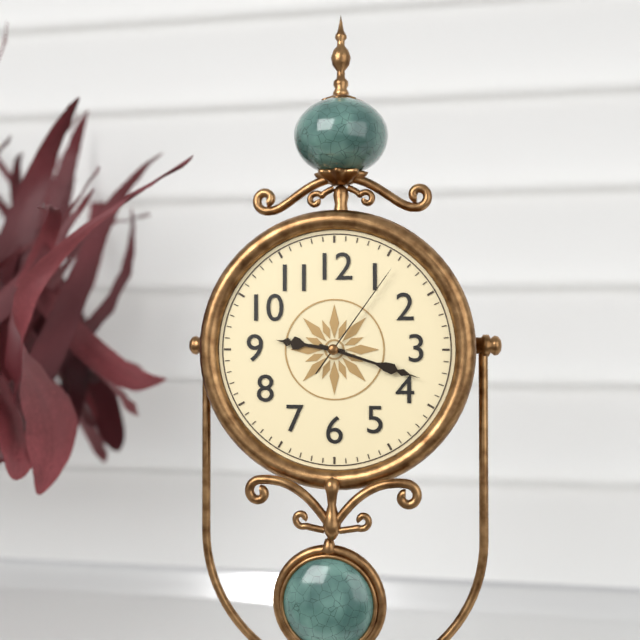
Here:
h=9 m=18 s=6
